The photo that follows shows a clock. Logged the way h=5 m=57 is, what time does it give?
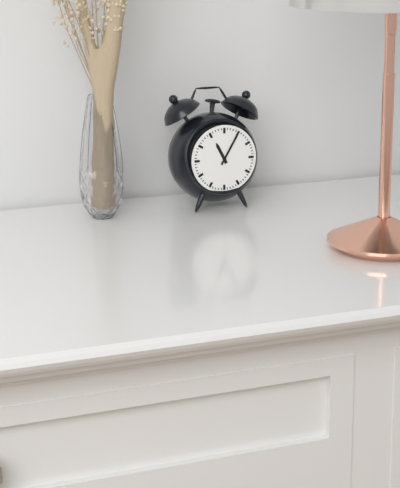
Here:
h=11 m=5
